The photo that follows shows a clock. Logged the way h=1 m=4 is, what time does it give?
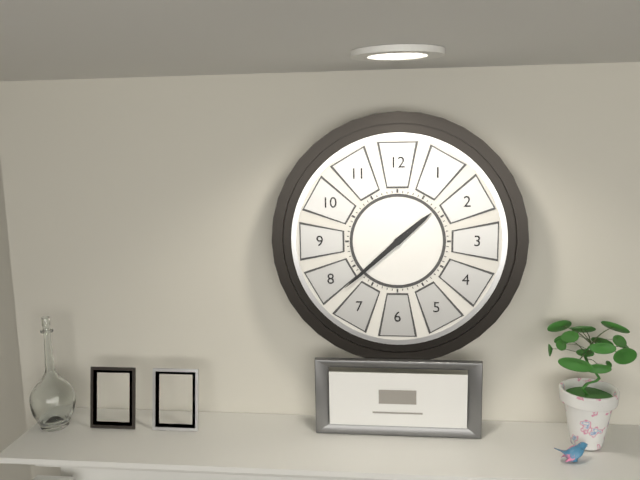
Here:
h=1 m=38
